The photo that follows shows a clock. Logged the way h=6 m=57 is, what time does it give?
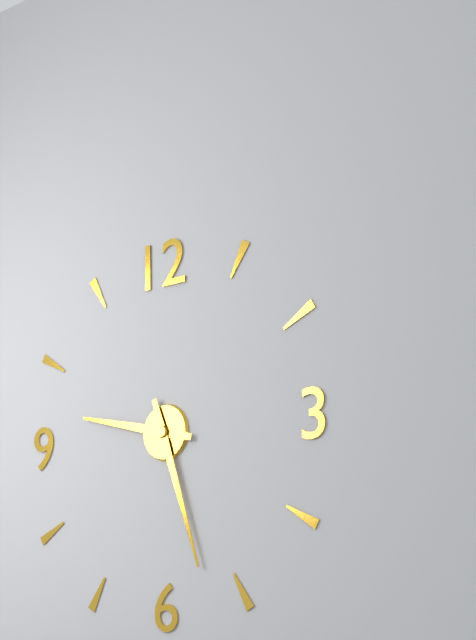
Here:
h=9 m=27
